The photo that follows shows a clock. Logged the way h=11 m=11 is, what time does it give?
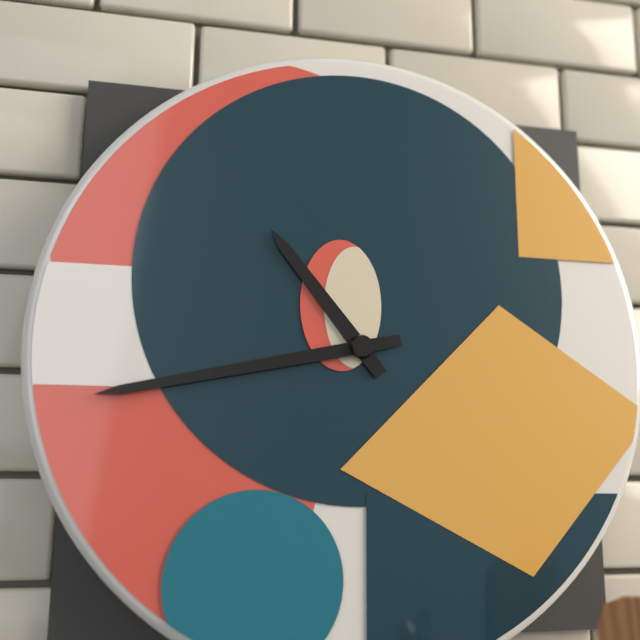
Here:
h=10 m=43
